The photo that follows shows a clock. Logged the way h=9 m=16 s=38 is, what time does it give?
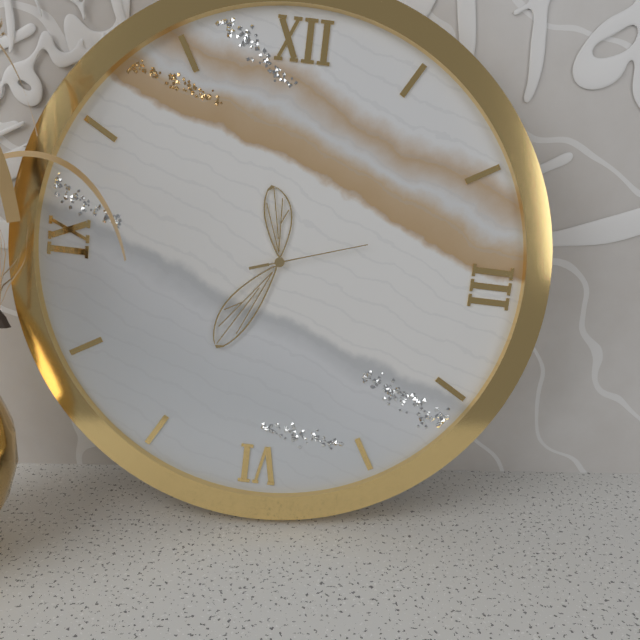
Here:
h=11 m=35 s=12
